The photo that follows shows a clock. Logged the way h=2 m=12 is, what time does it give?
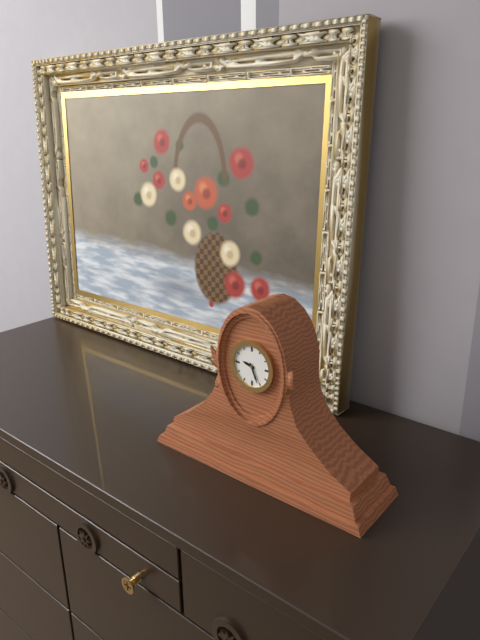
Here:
h=9 m=26
